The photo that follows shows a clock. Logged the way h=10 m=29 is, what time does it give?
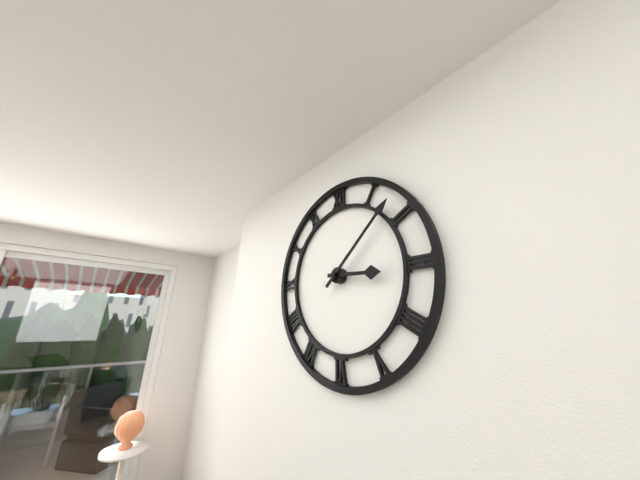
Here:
h=3 m=8
